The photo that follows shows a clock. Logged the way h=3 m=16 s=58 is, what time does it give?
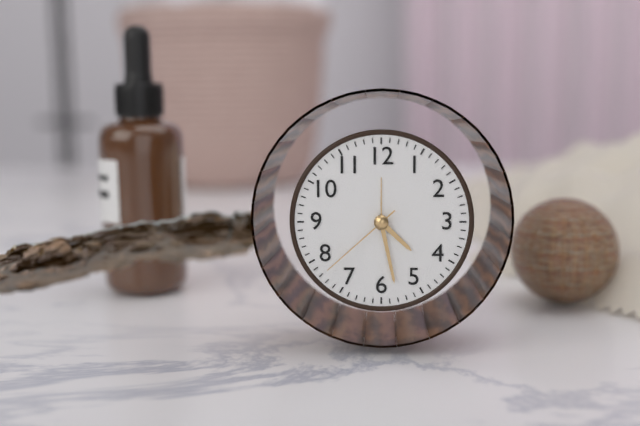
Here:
h=4 m=28 s=38
